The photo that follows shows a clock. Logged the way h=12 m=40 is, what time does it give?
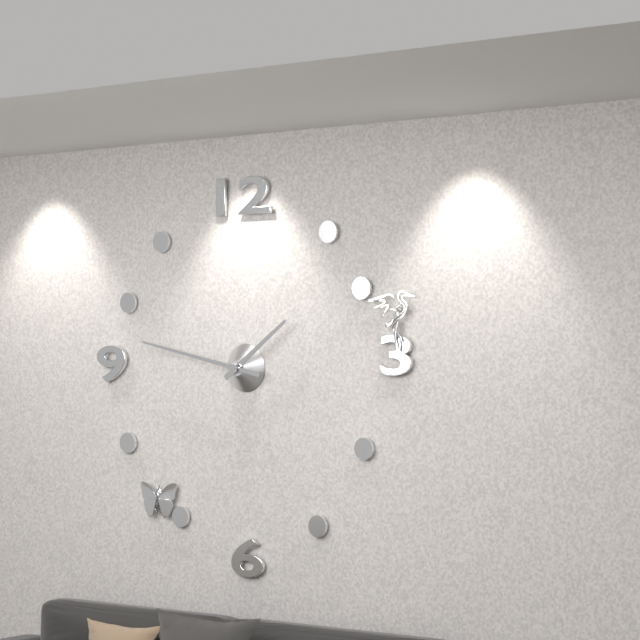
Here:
h=1 m=47
